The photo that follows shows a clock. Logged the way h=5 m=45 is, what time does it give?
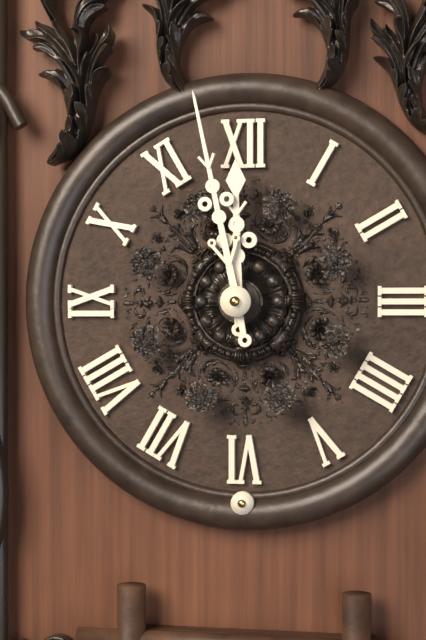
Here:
h=11 m=58
